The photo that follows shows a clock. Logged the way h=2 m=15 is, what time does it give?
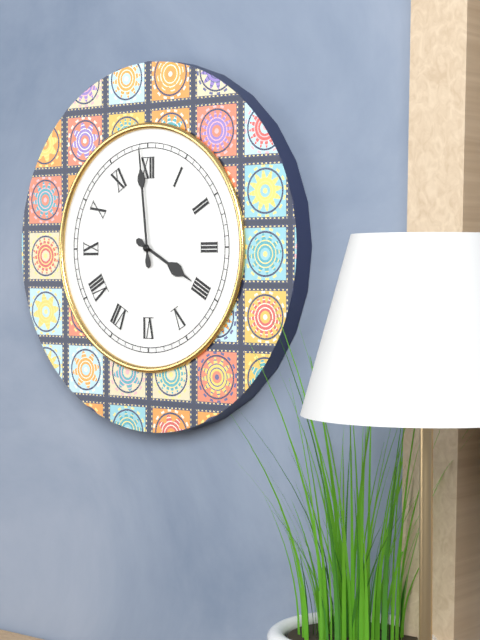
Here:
h=3 m=59
